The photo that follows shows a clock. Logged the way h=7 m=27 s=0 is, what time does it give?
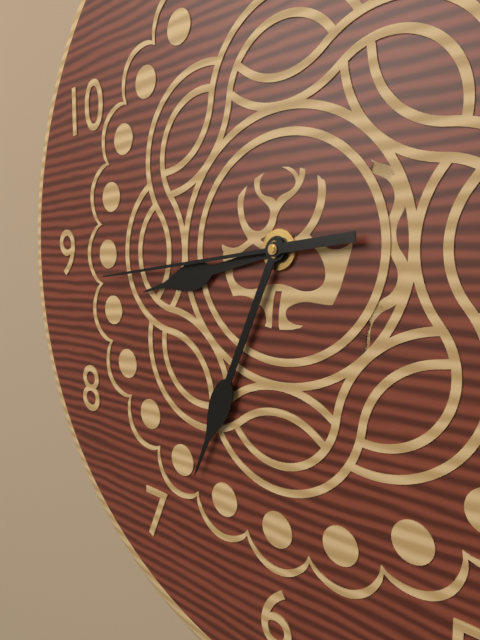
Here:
h=8 m=34 s=44
